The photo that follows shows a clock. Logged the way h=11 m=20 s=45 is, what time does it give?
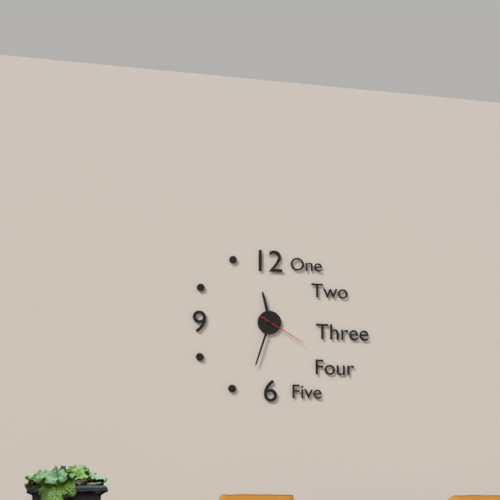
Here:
h=11 m=33 s=20
